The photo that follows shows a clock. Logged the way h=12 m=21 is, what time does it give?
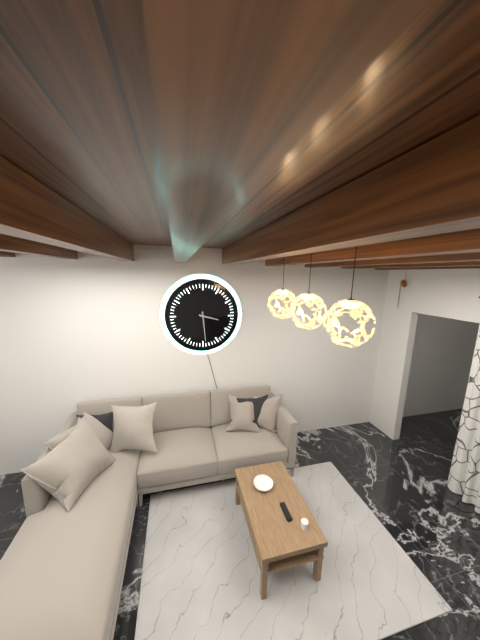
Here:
h=3 m=29
